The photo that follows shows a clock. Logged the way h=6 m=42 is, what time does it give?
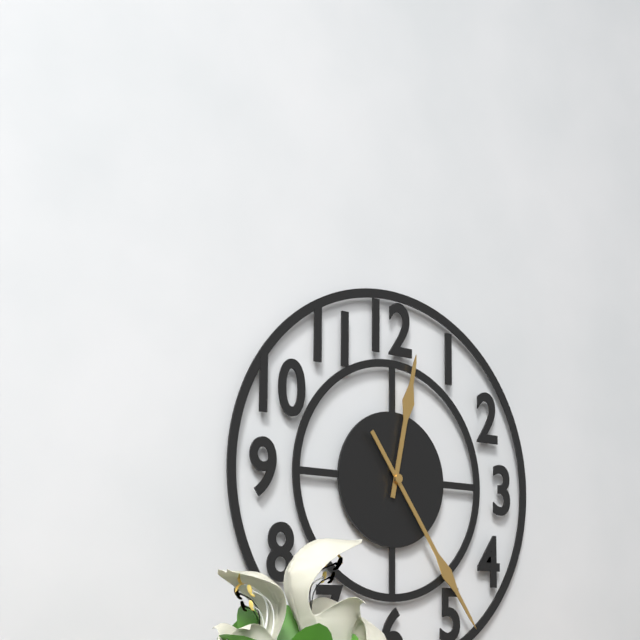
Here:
h=12 m=24
